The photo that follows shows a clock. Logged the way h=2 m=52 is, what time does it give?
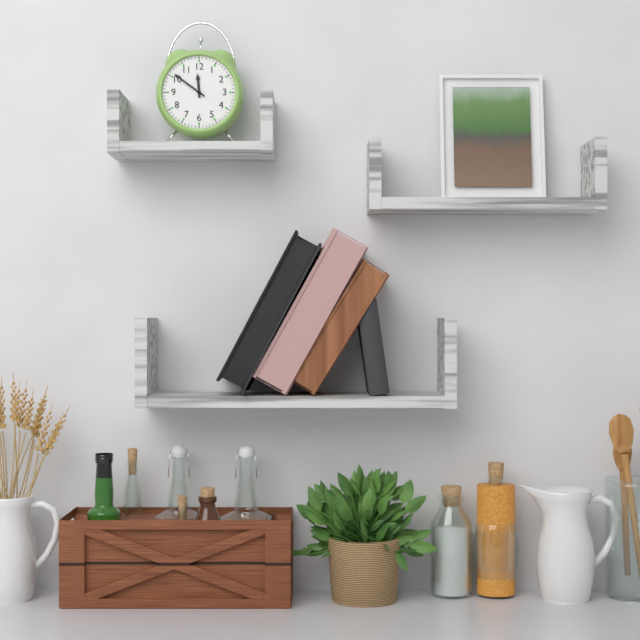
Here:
h=11 m=51
